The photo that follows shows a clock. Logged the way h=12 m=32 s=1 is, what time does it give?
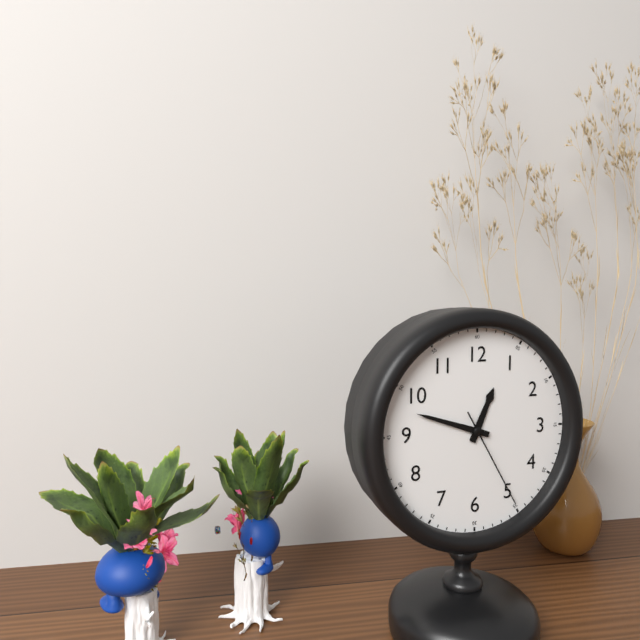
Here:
h=12 m=48 s=25
